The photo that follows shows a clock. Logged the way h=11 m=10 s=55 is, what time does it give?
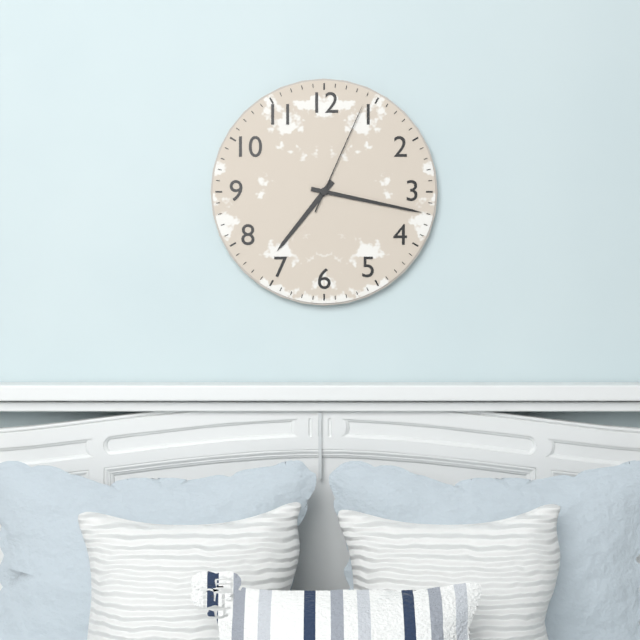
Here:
h=7 m=17 s=4
